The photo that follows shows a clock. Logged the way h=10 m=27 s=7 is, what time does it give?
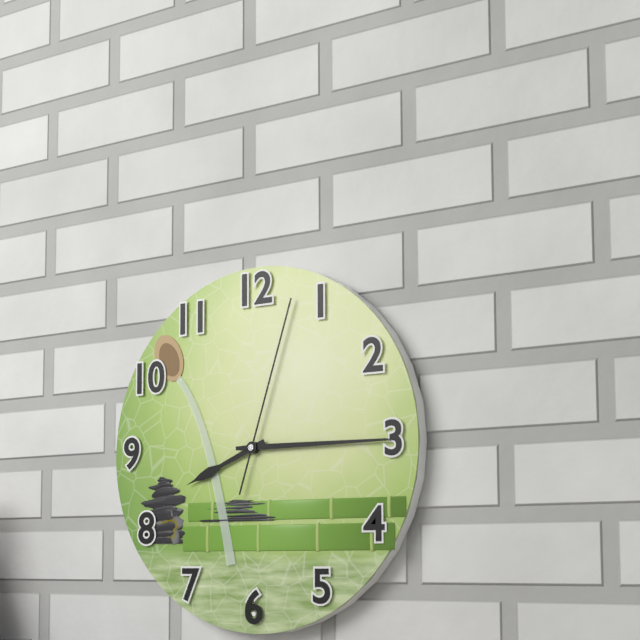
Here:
h=8 m=15 s=3
